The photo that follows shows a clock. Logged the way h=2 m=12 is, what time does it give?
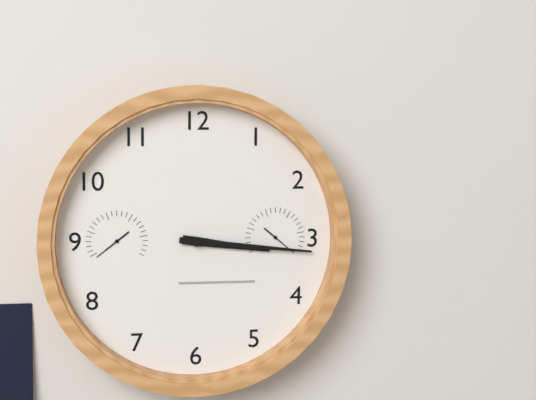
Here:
h=3 m=16
